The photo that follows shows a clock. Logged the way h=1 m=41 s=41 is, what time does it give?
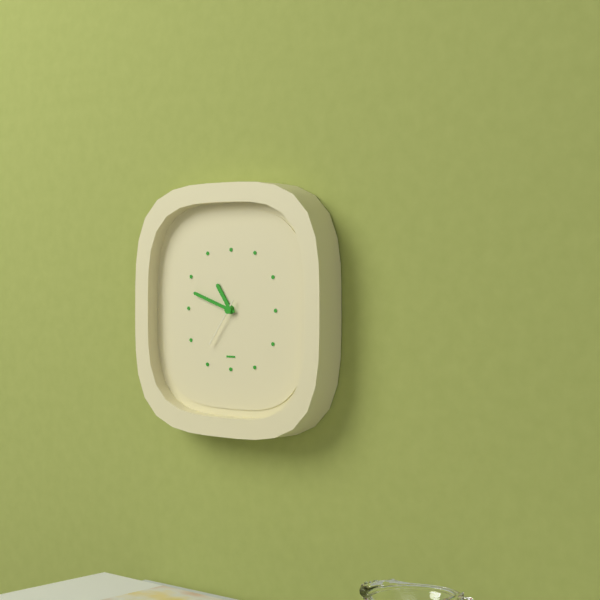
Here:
h=10 m=48 s=36
